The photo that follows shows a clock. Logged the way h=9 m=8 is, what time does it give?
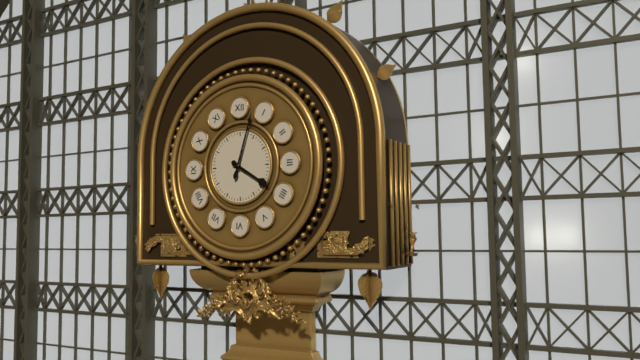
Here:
h=4 m=3
